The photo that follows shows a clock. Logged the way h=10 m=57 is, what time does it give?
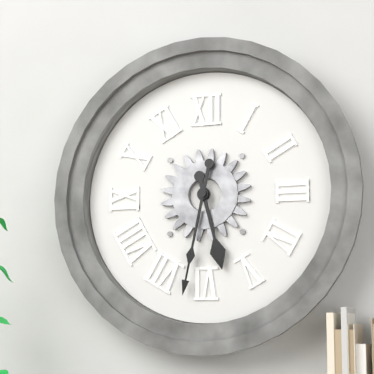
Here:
h=5 m=32
